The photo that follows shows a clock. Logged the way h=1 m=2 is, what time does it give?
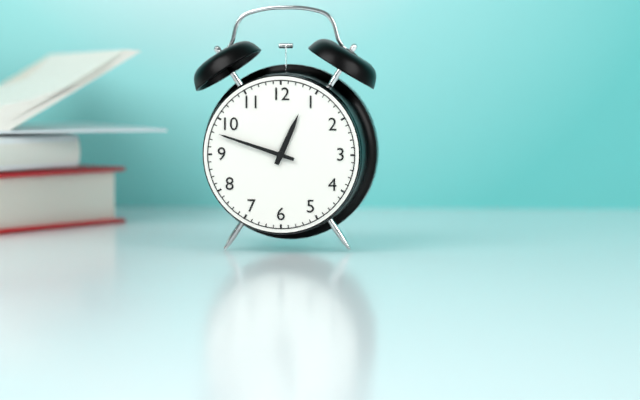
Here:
h=12 m=48
